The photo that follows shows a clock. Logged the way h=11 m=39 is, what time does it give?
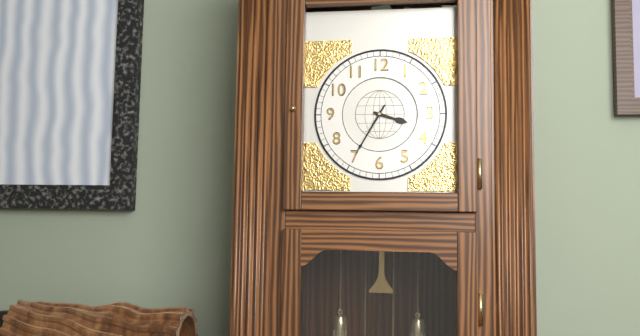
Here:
h=3 m=35
